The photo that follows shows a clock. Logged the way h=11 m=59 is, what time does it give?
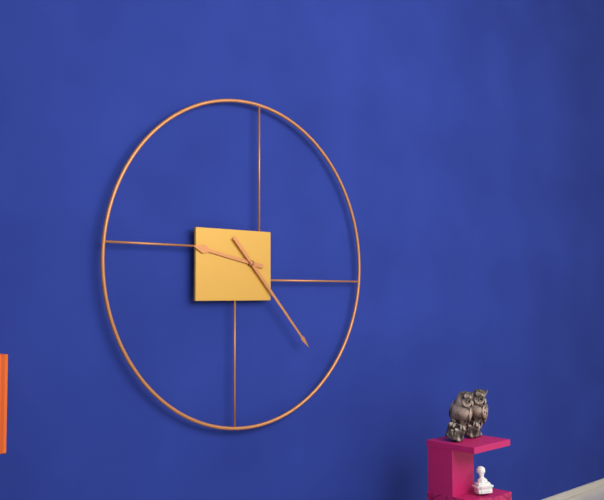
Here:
h=9 m=23
